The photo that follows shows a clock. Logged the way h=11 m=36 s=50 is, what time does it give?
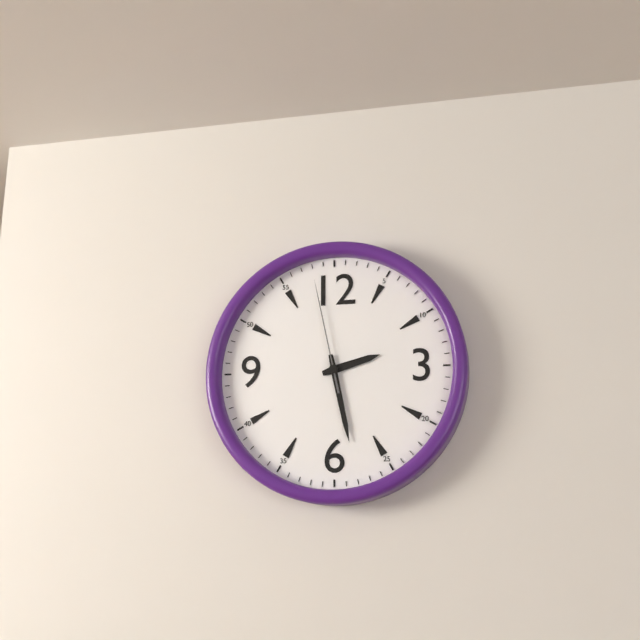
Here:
h=2 m=28 s=58
